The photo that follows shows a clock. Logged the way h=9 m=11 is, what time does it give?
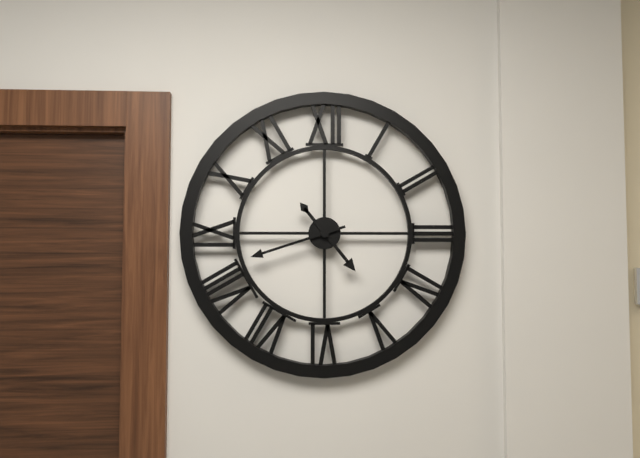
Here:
h=4 m=42
